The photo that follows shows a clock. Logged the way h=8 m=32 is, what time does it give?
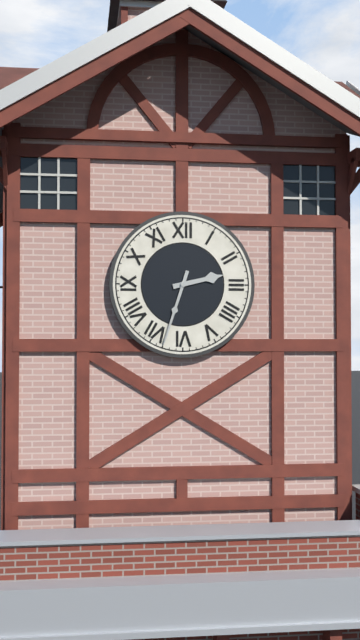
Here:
h=2 m=33
